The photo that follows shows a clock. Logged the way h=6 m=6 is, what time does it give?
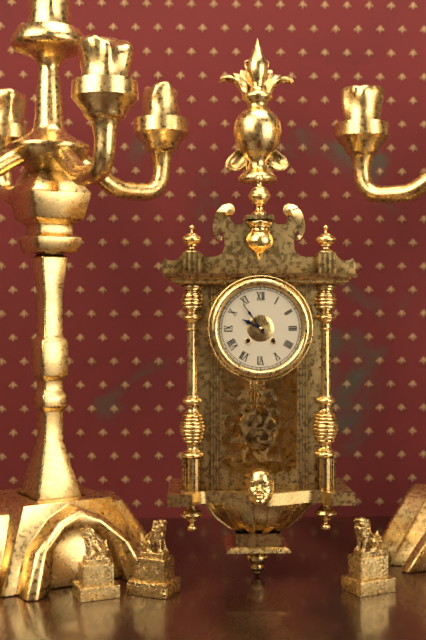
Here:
h=9 m=54
